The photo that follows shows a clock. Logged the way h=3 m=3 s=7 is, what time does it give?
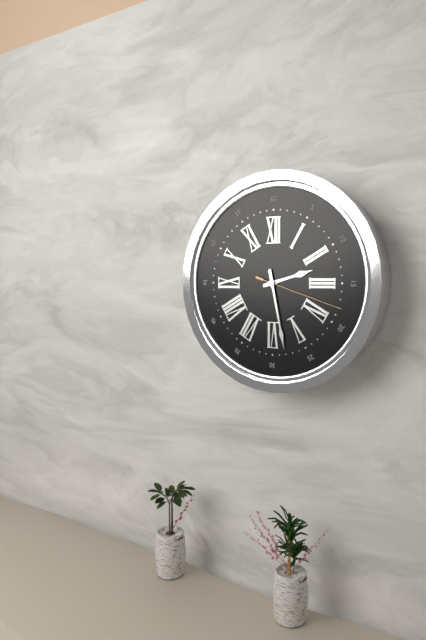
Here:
h=2 m=28 s=18
